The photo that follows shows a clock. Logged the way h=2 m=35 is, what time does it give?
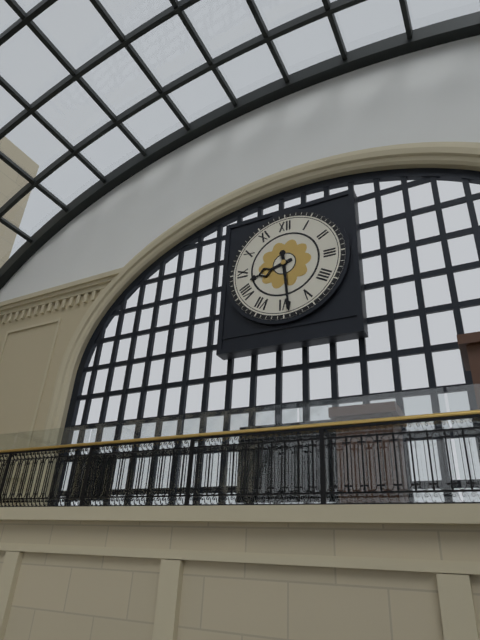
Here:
h=8 m=29
